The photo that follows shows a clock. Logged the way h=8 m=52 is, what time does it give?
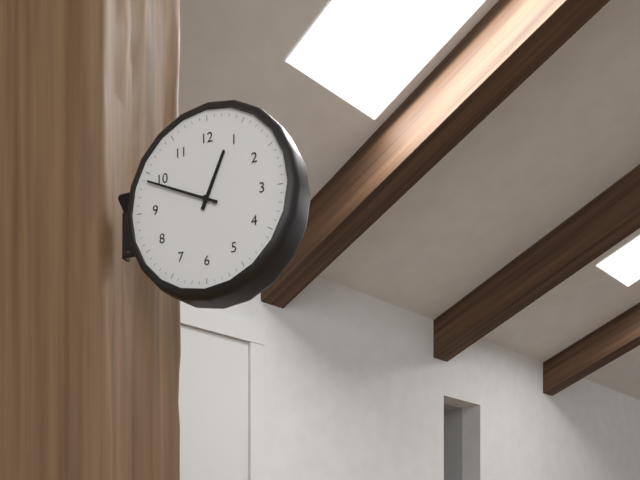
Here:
h=12 m=49
